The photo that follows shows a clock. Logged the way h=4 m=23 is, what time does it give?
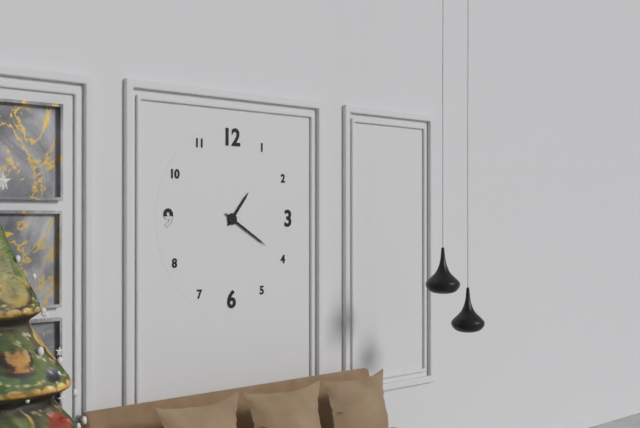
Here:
h=1 m=20
